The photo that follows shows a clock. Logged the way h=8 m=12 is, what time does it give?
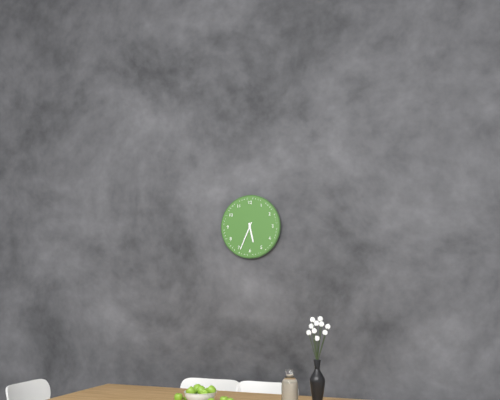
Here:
h=5 m=34
